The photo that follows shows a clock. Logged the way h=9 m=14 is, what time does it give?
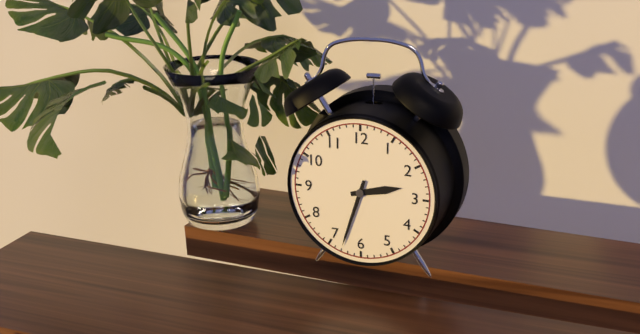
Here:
h=2 m=33
